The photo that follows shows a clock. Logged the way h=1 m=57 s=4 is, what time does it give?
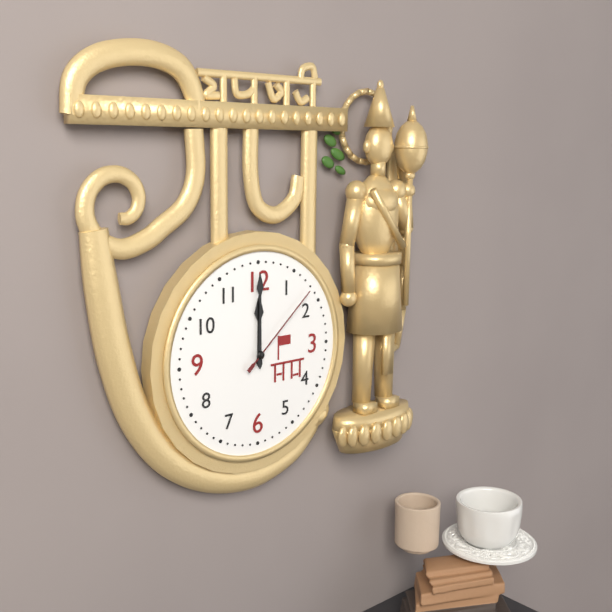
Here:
h=12 m=0 s=8
